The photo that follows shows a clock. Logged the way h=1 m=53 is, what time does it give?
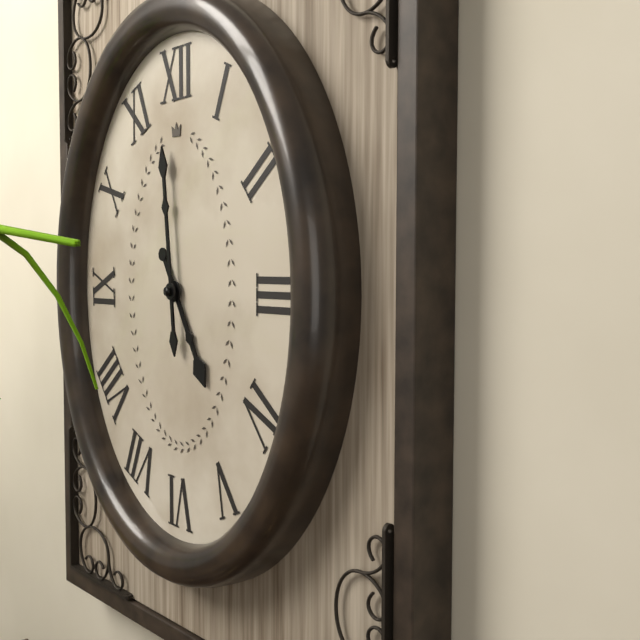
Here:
h=4 m=59
